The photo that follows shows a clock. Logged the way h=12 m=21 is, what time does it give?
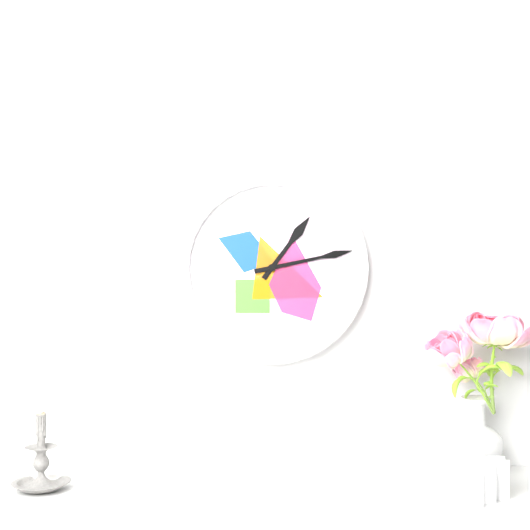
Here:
h=1 m=13
